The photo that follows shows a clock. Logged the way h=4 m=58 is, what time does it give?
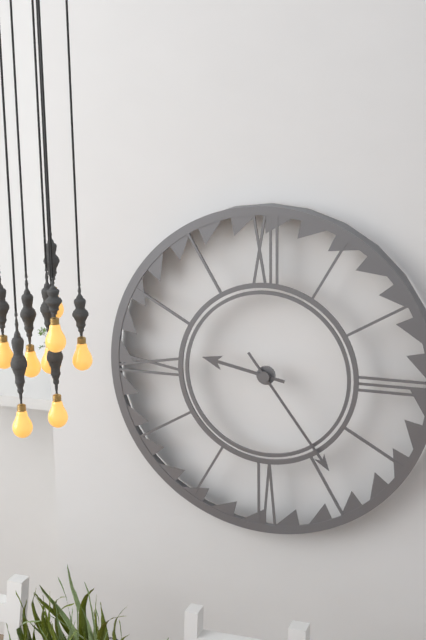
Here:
h=9 m=24
